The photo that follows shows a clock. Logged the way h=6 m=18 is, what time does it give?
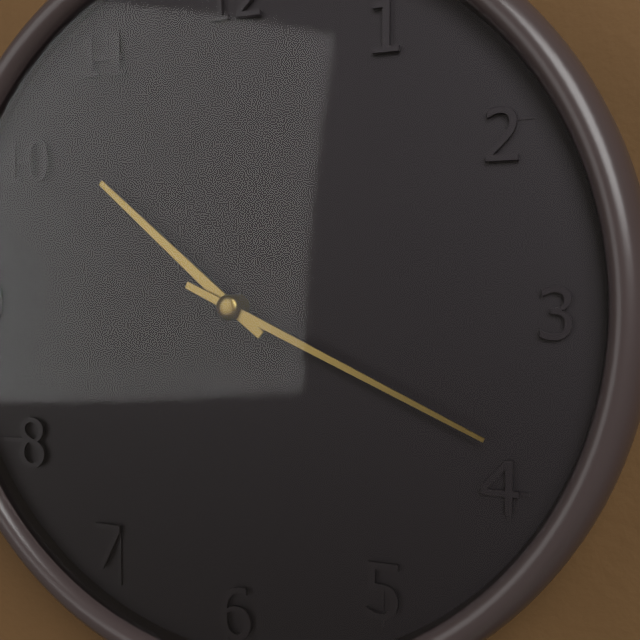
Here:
h=10 m=19
